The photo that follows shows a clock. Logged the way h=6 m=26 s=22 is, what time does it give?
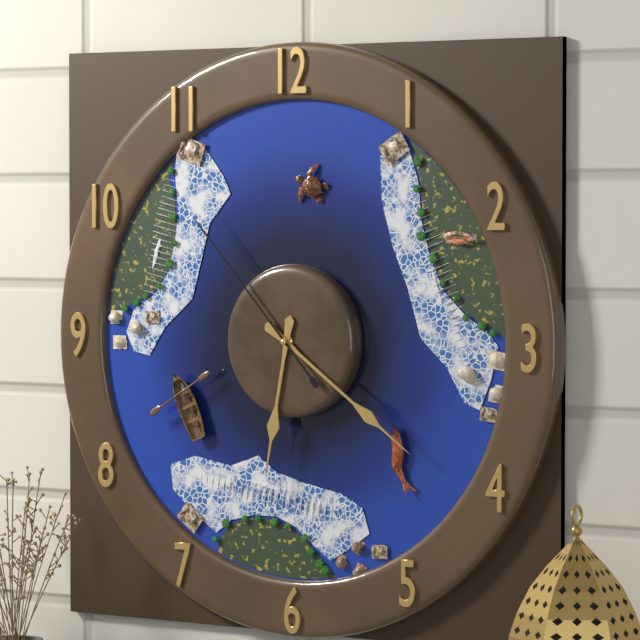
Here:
h=6 m=21 s=53
